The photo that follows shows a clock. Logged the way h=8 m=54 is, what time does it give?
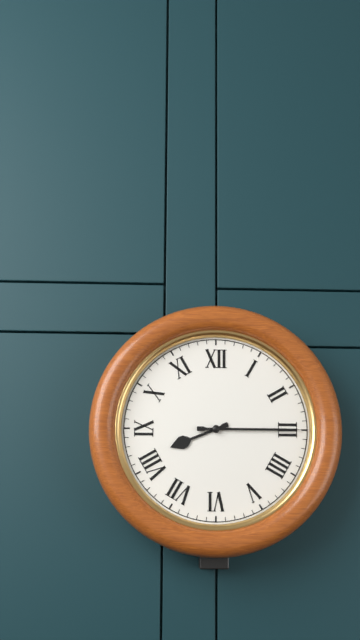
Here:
h=8 m=15
